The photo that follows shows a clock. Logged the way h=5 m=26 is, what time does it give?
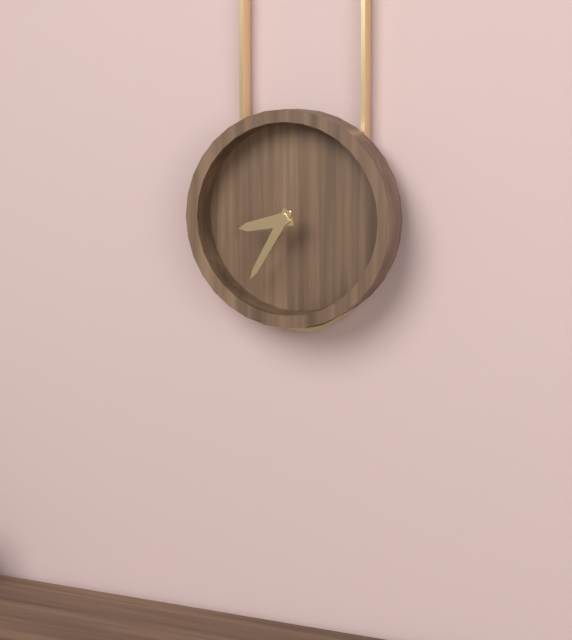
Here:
h=8 m=35
